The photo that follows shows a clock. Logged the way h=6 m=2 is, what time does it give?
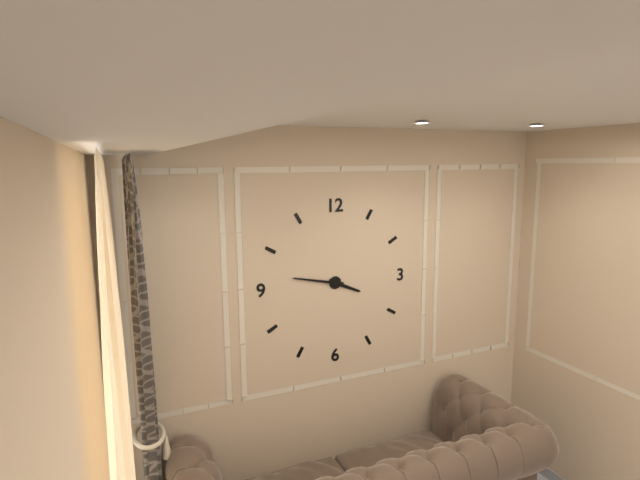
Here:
h=3 m=47
